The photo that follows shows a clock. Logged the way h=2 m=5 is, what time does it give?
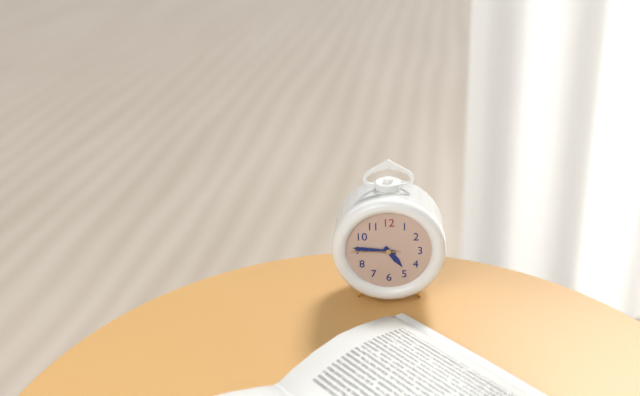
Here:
h=4 m=46
